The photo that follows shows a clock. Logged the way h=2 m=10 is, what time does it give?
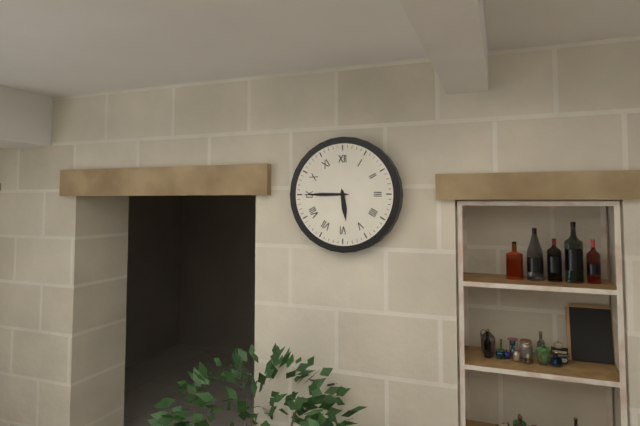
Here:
h=5 m=45
